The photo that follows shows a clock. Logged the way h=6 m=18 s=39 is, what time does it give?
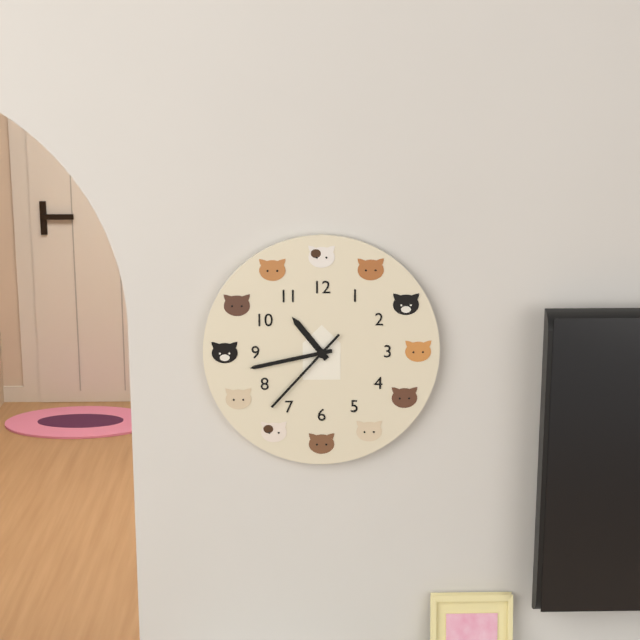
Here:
h=10 m=43 s=37
